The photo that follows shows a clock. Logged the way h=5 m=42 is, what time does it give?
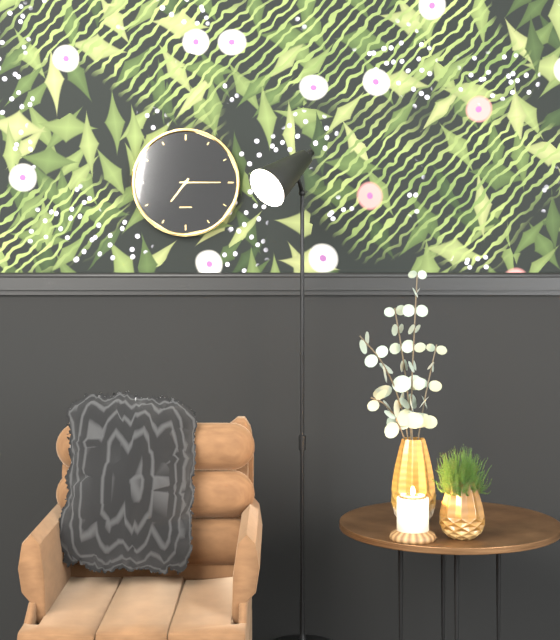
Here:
h=7 m=15
